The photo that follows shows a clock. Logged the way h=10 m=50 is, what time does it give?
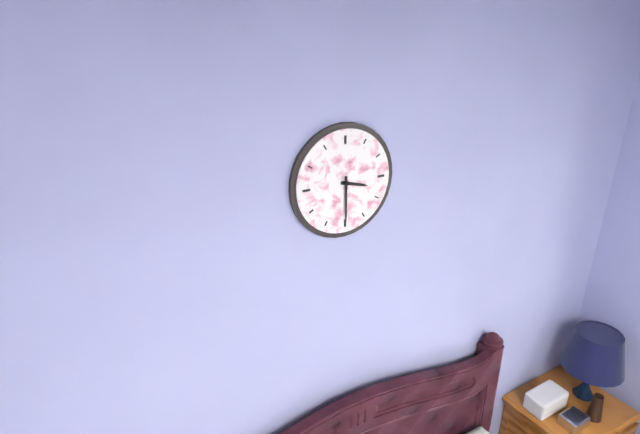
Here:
h=3 m=30
